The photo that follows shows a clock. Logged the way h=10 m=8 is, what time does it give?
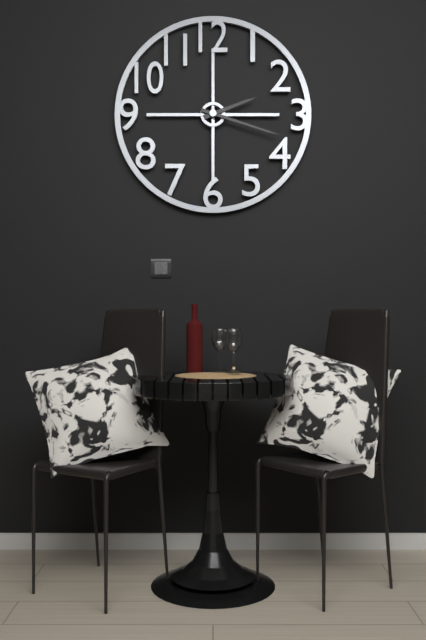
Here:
h=2 m=18
